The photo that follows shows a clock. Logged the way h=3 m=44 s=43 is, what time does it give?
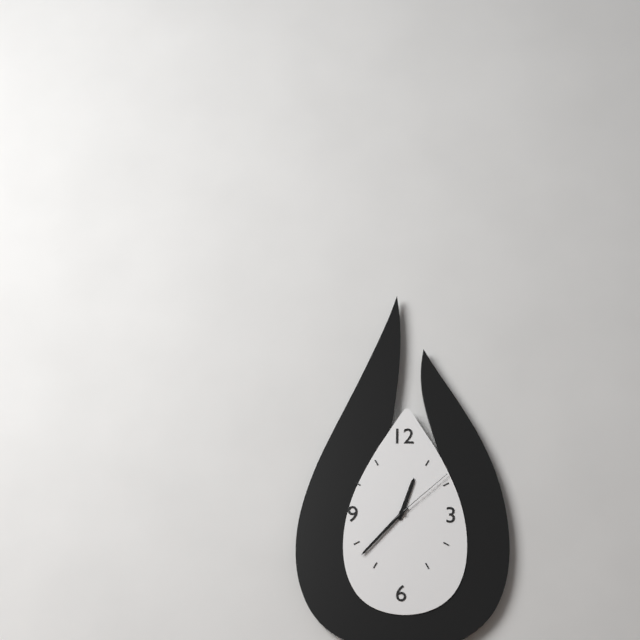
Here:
h=12 m=37 s=8
